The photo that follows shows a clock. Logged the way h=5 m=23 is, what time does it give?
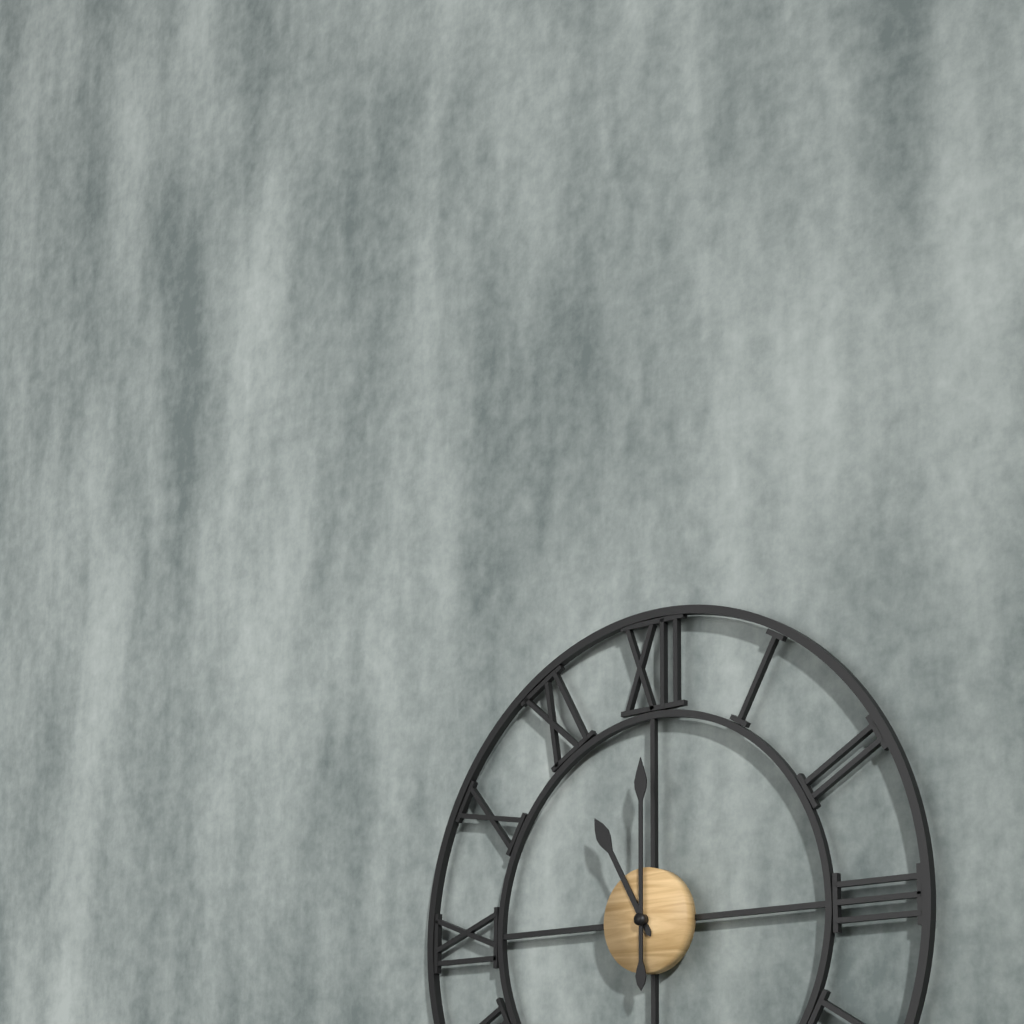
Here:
h=11 m=0
